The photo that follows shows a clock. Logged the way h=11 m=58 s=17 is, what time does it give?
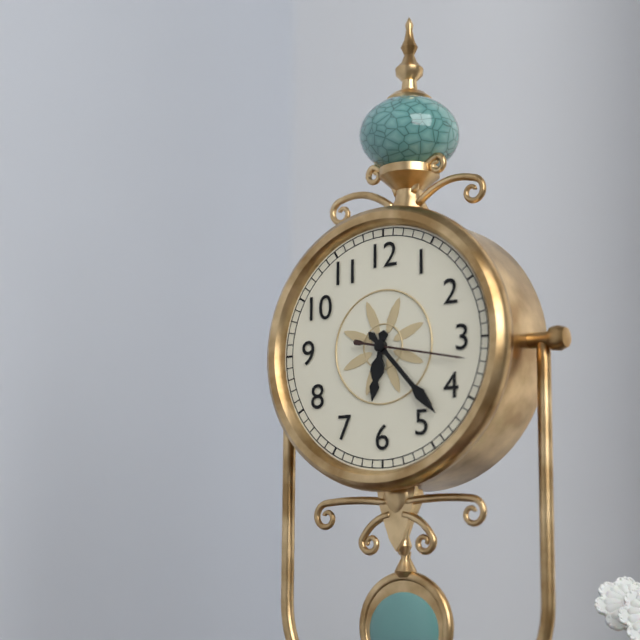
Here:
h=6 m=23 s=17
